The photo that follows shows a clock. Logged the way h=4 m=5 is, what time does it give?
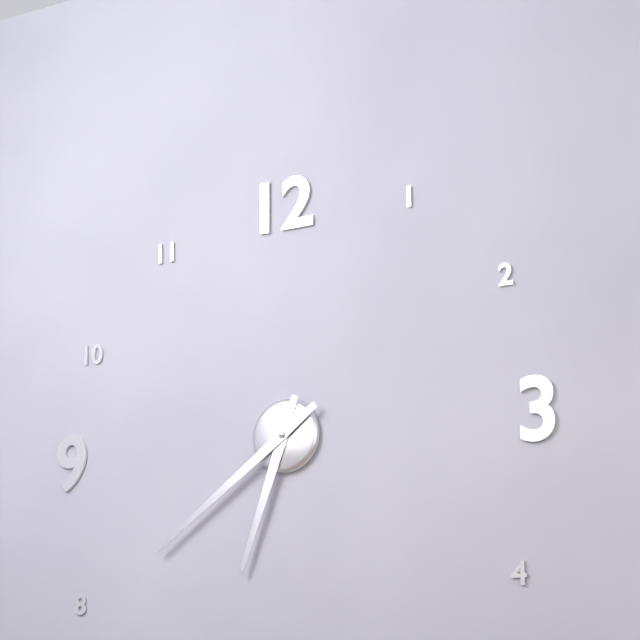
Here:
h=6 m=39
